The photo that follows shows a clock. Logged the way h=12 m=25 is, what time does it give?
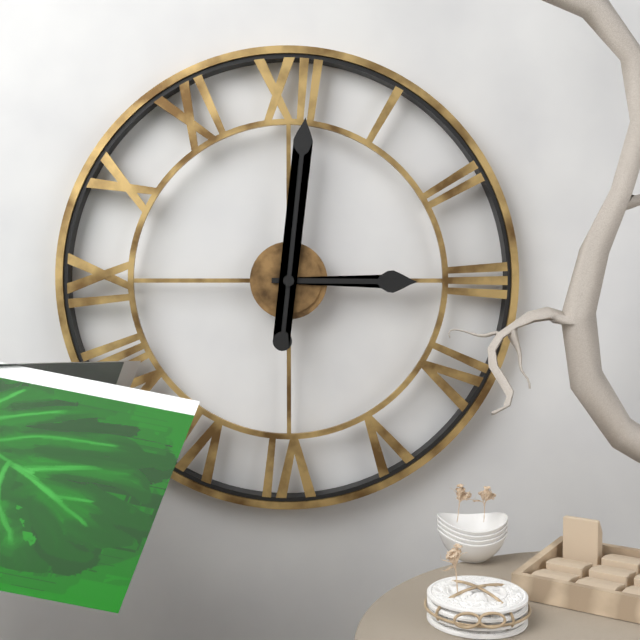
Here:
h=3 m=1
